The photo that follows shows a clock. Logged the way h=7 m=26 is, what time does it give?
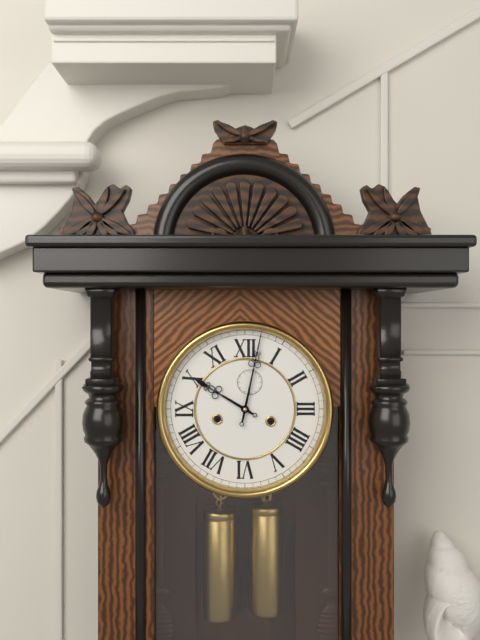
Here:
h=10 m=2
